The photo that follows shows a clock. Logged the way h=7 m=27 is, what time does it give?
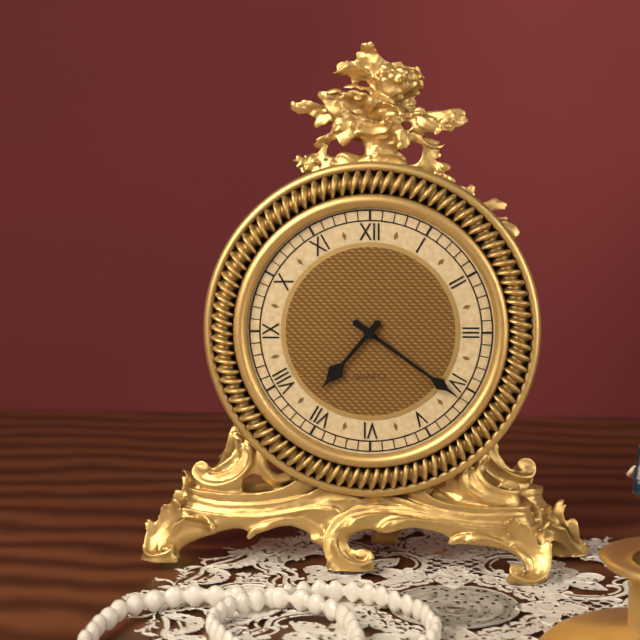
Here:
h=7 m=21
